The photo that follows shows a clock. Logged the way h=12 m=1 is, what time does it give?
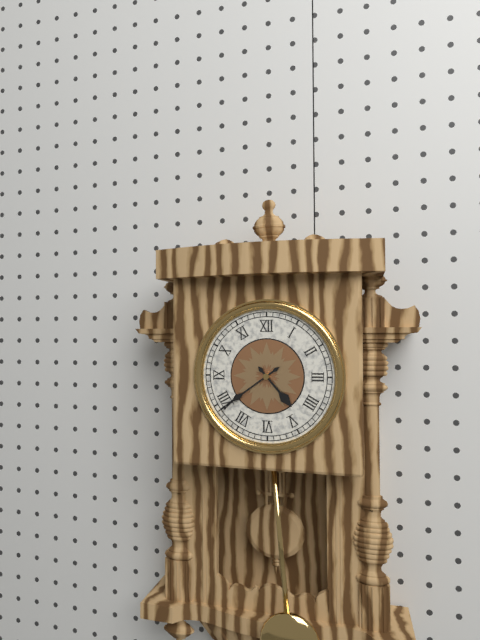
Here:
h=4 m=39
